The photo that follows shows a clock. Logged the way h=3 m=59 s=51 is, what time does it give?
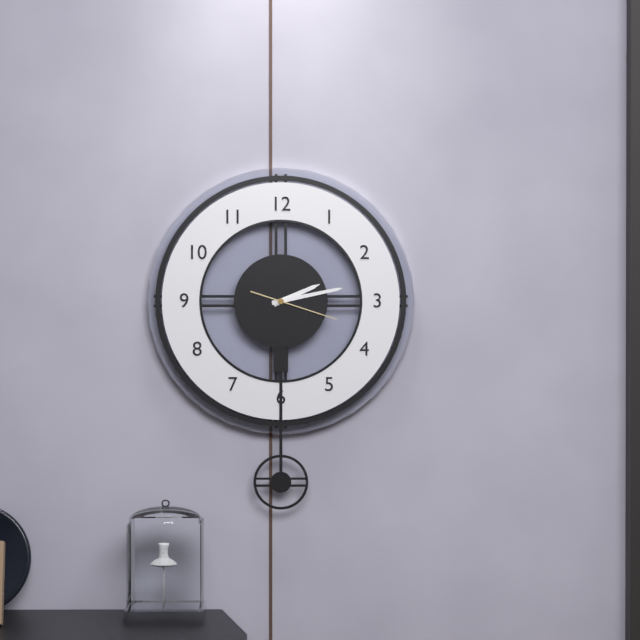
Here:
h=2 m=13 s=18
